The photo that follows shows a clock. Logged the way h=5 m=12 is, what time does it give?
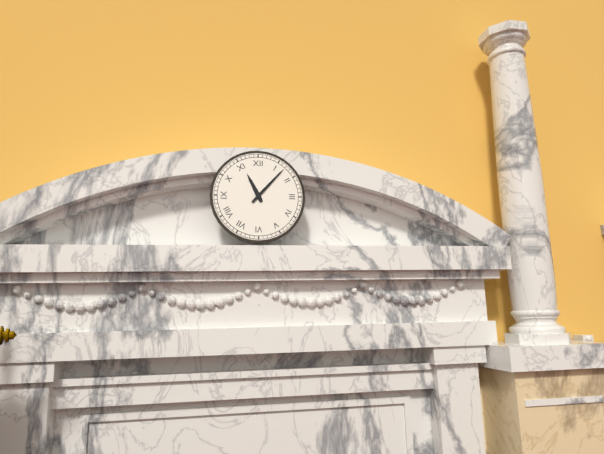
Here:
h=11 m=7
